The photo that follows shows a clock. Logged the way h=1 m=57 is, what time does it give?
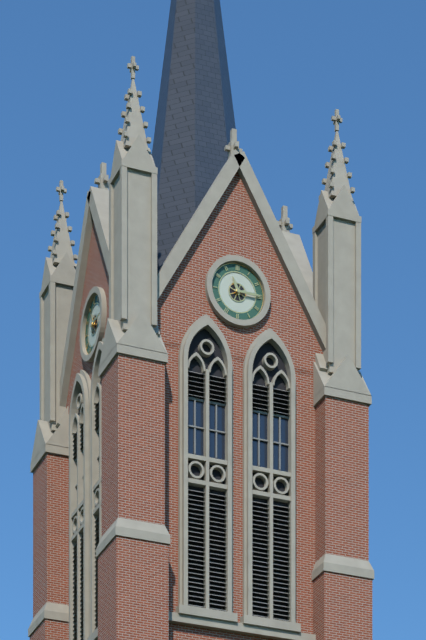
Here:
h=11 m=15
